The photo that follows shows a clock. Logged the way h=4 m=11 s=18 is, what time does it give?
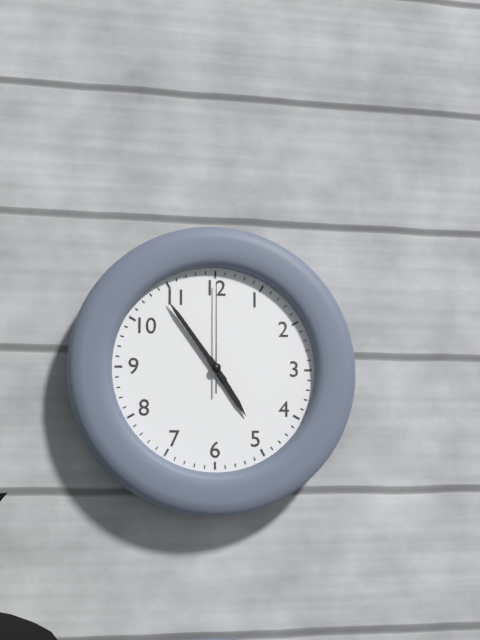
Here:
h=4 m=54 s=0
